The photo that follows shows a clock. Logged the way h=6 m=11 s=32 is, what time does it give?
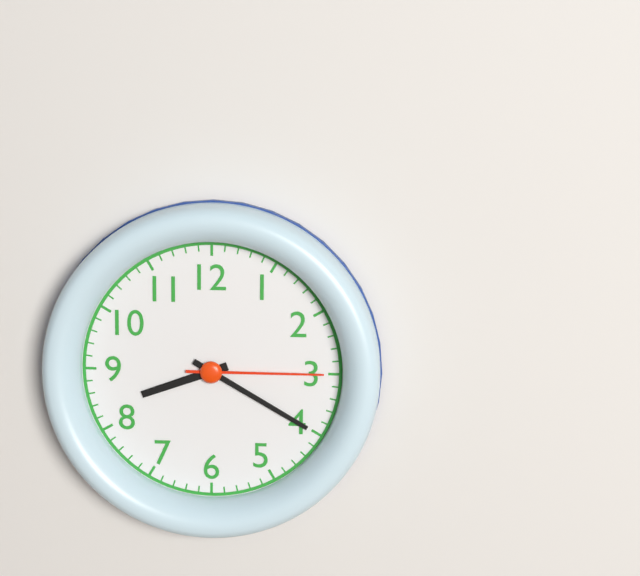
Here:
h=8 m=20 s=15
